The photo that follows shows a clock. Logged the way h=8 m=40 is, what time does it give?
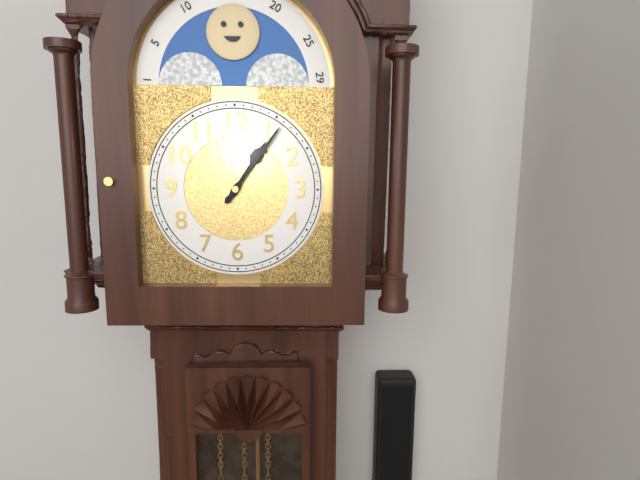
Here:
h=1 m=6
